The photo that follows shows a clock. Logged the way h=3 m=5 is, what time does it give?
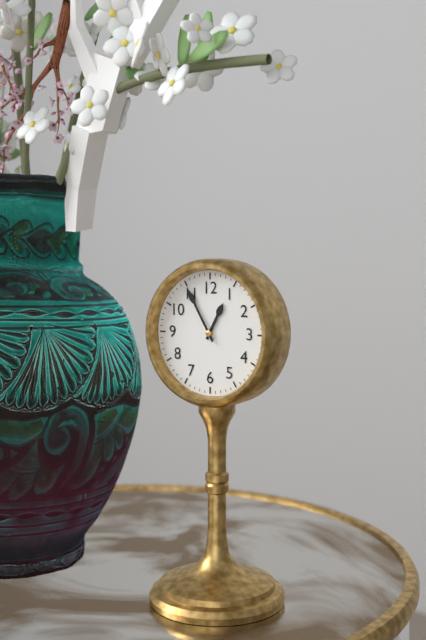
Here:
h=12 m=55
